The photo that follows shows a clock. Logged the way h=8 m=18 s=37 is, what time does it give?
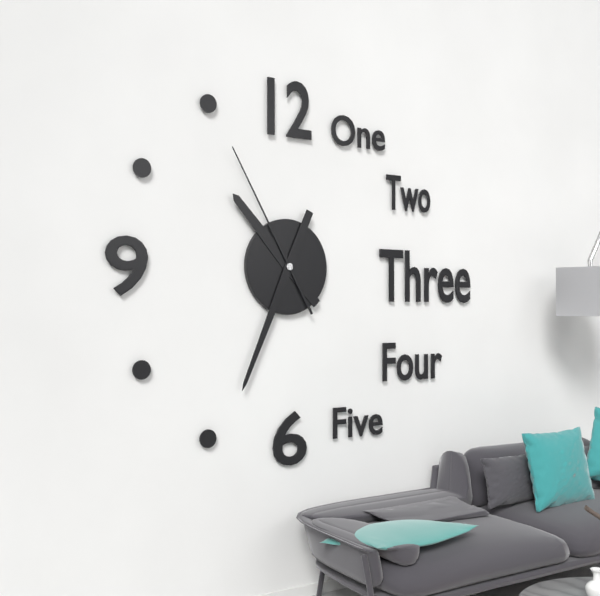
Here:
h=10 m=34 s=55
